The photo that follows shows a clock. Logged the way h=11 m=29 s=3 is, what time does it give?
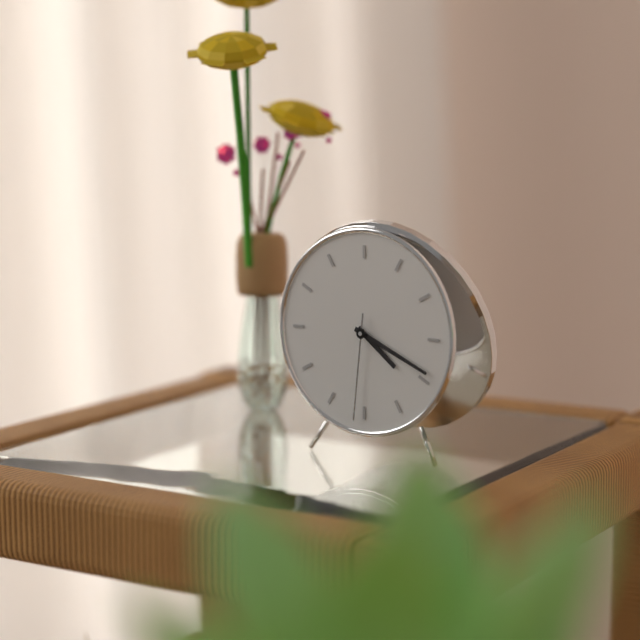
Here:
h=4 m=19 s=31
